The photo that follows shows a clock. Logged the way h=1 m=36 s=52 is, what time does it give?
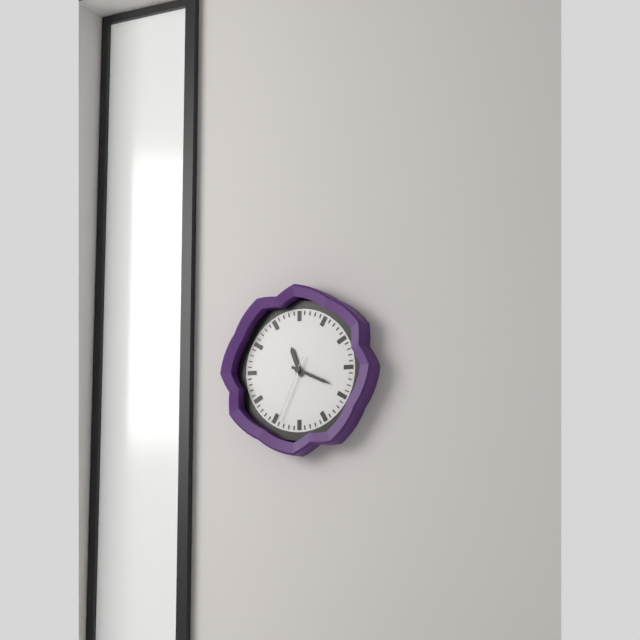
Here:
h=11 m=19 s=34
